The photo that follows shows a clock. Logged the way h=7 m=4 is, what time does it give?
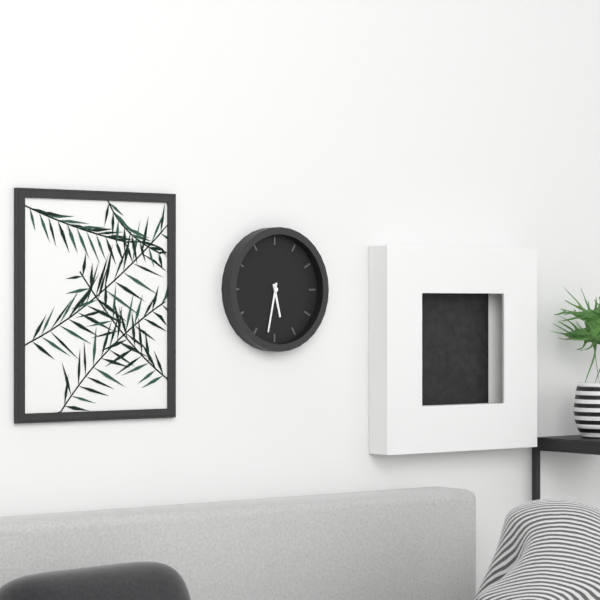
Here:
h=5 m=32
